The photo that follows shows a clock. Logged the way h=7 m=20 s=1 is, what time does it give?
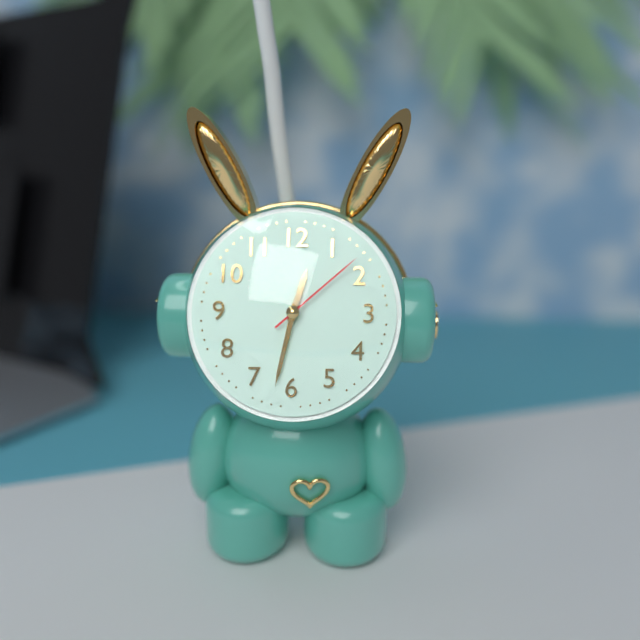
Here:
h=12 m=32 s=8
